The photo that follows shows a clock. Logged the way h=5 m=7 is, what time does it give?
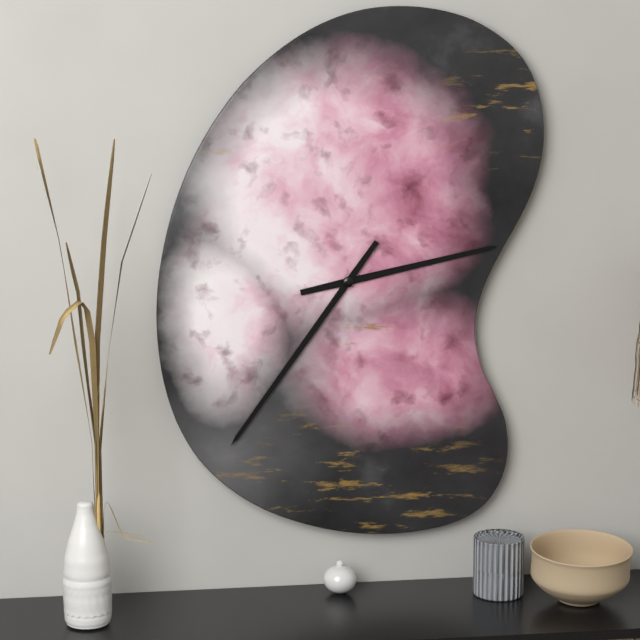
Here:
h=2 m=36
